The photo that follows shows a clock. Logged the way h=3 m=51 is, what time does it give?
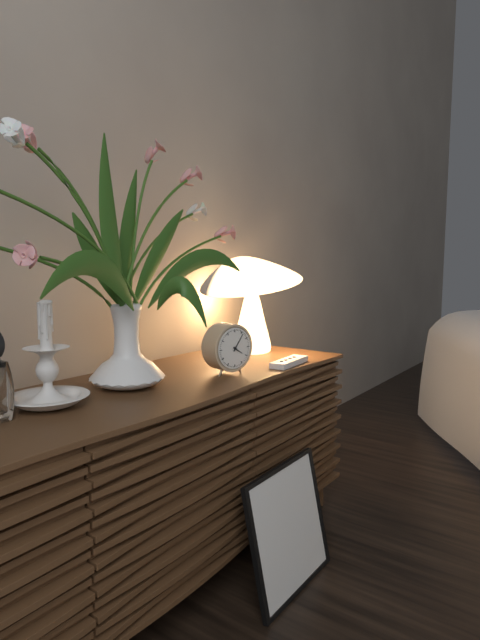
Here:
h=4 m=6
